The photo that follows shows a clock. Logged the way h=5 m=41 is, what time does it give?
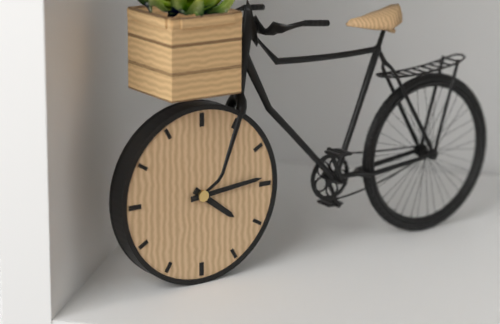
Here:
h=4 m=14
